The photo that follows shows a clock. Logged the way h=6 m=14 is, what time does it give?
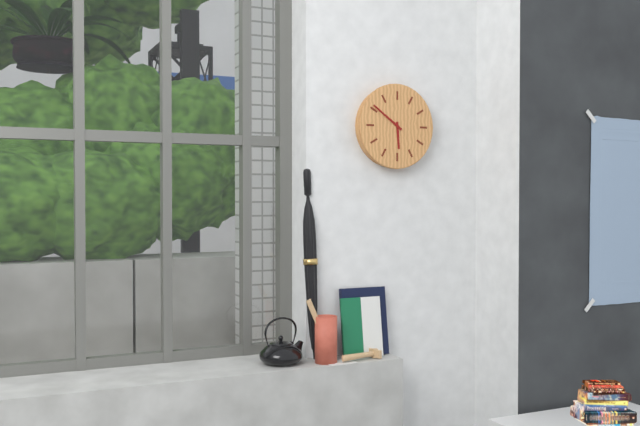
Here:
h=5 m=51
